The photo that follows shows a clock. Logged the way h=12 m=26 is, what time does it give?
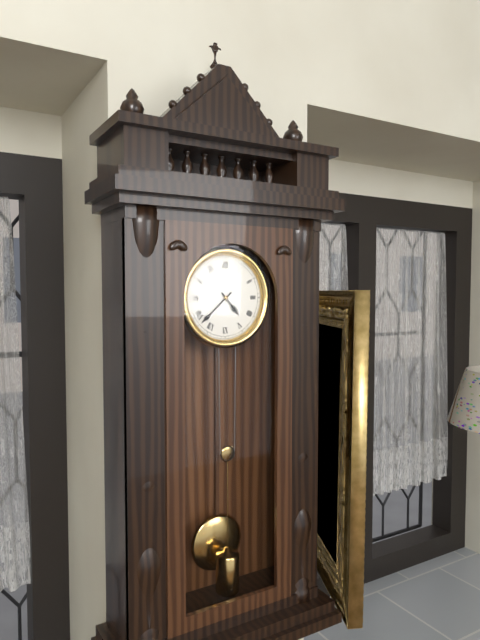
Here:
h=4 m=38
